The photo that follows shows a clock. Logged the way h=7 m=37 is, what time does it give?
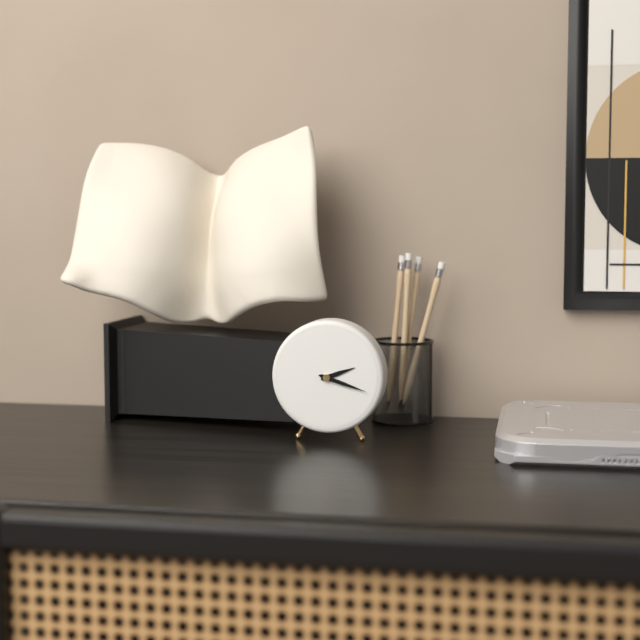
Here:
h=2 m=18
